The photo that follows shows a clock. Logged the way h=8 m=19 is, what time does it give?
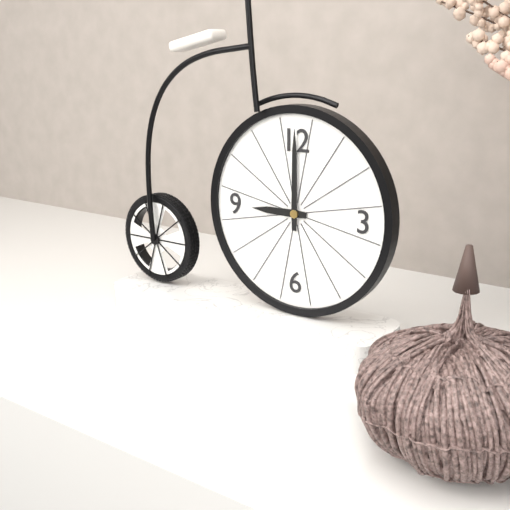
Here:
h=9 m=0
